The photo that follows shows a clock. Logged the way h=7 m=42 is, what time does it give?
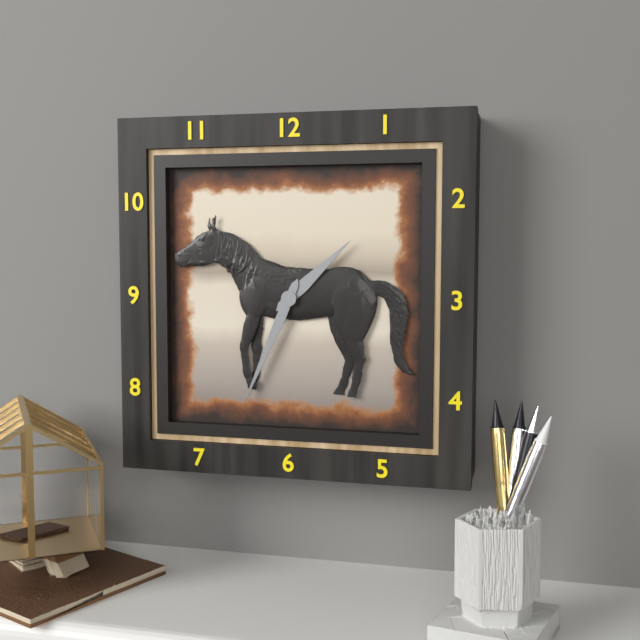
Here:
h=1 m=34
